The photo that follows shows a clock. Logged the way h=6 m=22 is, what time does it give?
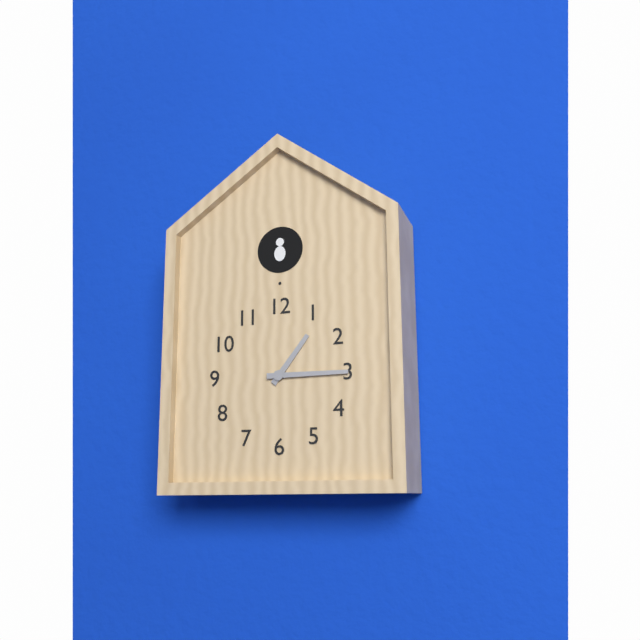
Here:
h=1 m=15
